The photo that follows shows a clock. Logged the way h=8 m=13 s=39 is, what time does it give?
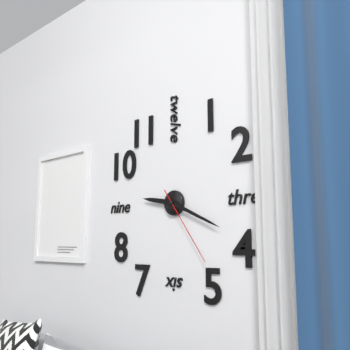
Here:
h=9 m=19 s=24
